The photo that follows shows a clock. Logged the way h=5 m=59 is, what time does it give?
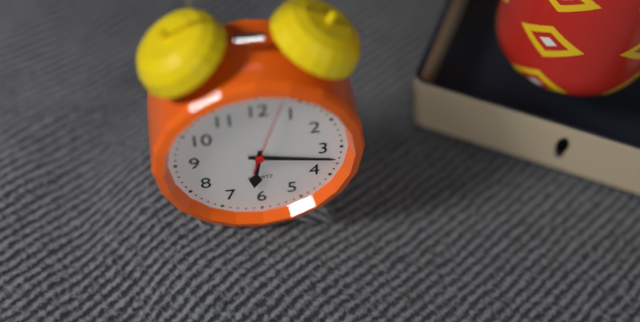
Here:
h=6 m=17
